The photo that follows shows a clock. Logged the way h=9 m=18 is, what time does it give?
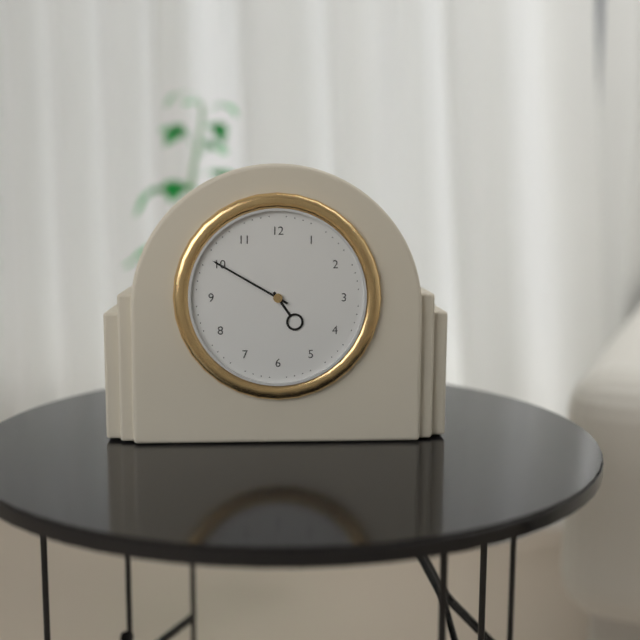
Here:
h=4 m=50
